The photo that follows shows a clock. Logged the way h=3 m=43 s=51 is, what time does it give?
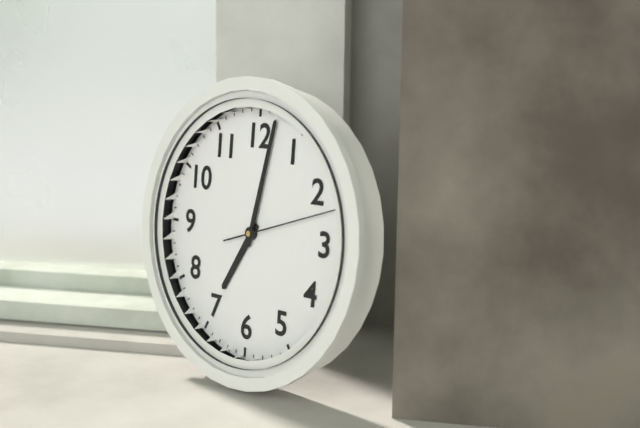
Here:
h=7 m=2 s=12
